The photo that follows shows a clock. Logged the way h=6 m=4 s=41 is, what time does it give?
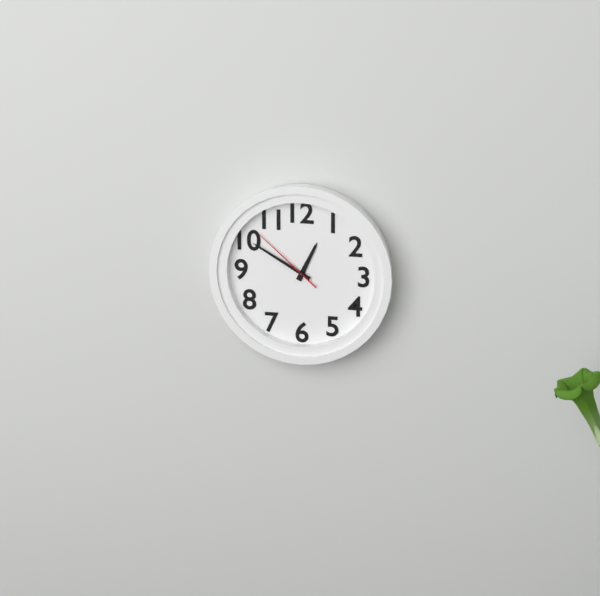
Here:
h=12 m=50 s=52
